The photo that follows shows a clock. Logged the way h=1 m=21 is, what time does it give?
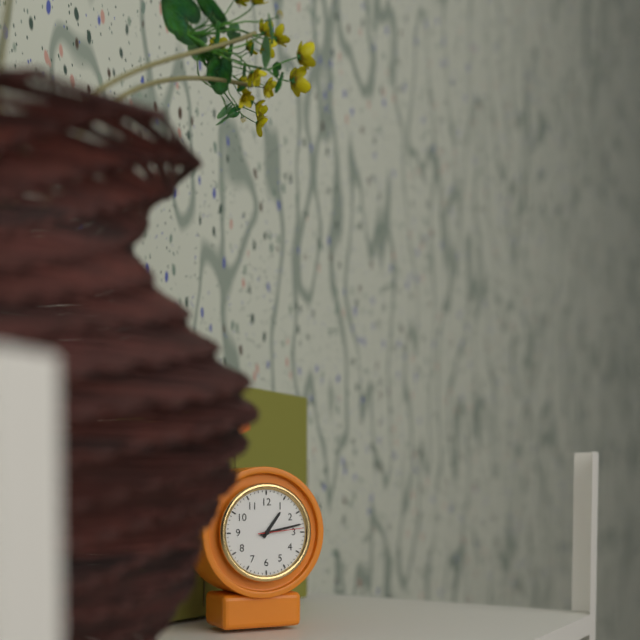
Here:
h=1 m=13
